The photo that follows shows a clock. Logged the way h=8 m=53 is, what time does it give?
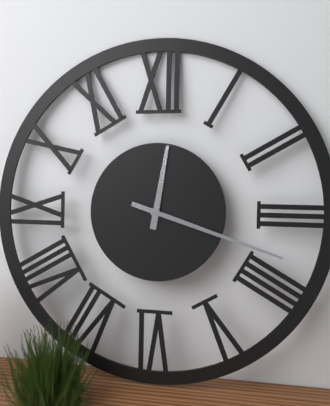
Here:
h=12 m=18
